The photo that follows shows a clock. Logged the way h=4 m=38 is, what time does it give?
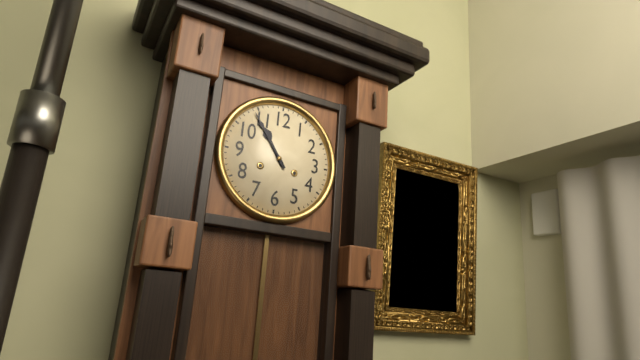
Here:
h=10 m=54
